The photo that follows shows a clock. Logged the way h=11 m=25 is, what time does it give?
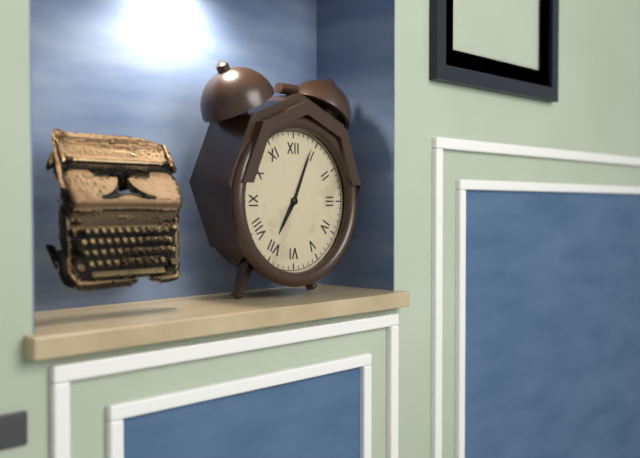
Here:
h=7 m=4
